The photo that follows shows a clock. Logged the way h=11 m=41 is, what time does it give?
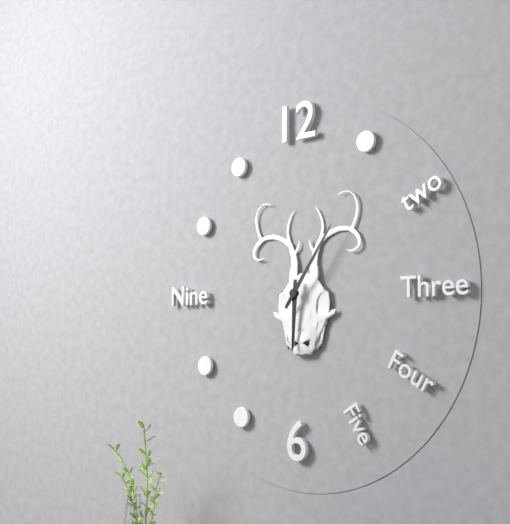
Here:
h=6 m=6
